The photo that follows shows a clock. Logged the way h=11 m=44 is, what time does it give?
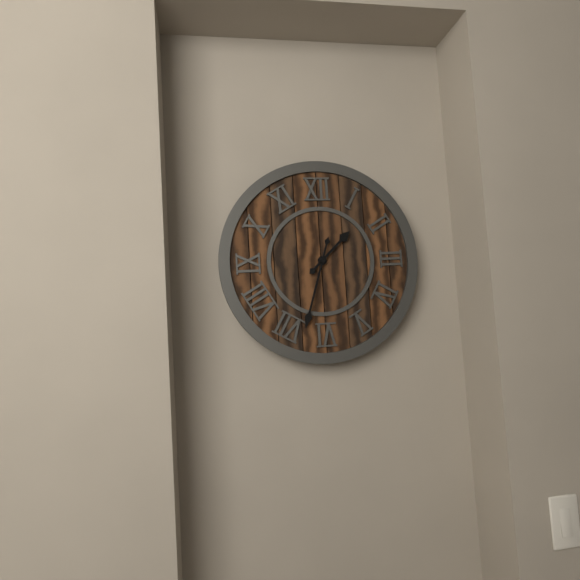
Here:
h=1 m=33
